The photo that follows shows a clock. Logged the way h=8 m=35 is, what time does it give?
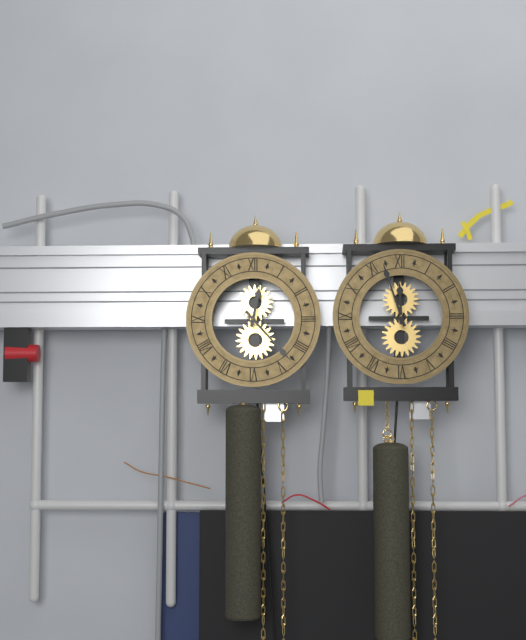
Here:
h=12 m=23
